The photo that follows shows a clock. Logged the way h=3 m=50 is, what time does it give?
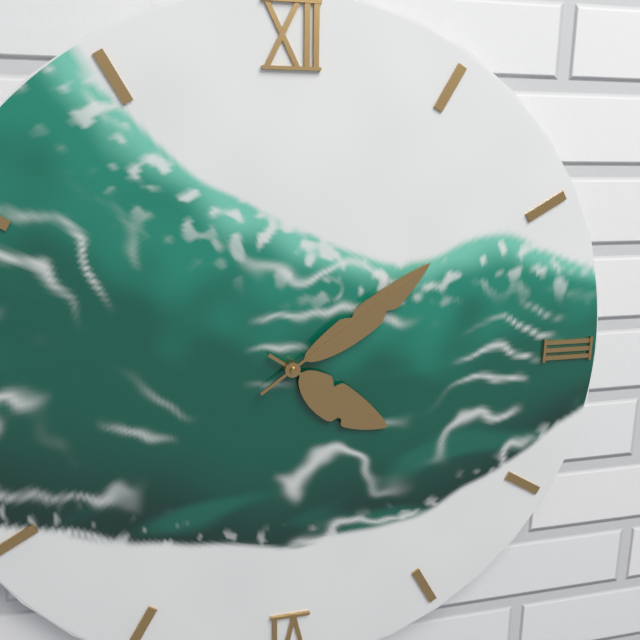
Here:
h=4 m=9
